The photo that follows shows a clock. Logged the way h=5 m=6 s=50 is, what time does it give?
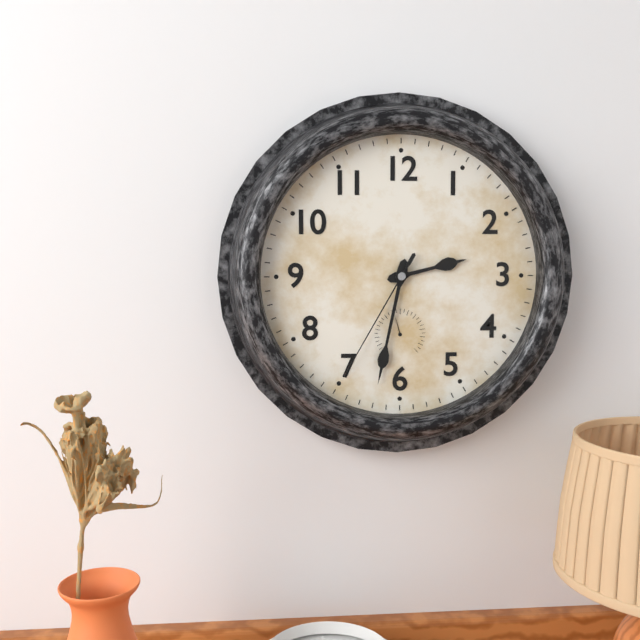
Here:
h=2 m=32 s=35
